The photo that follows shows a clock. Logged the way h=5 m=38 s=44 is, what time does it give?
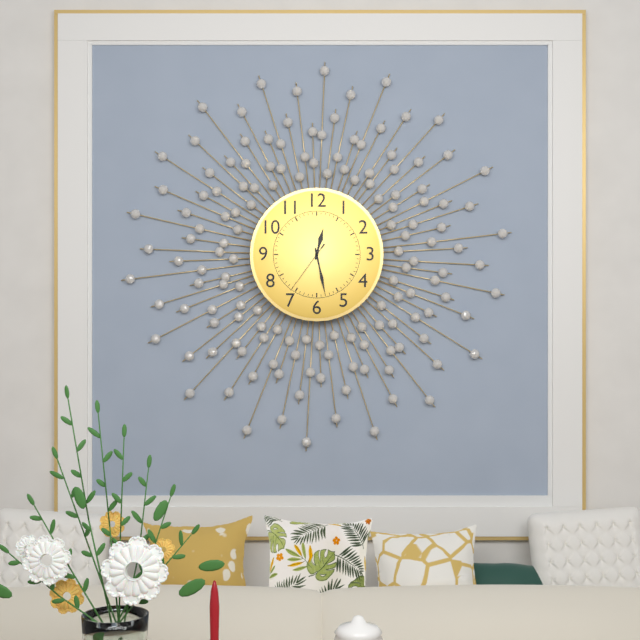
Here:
h=12 m=28 s=36
